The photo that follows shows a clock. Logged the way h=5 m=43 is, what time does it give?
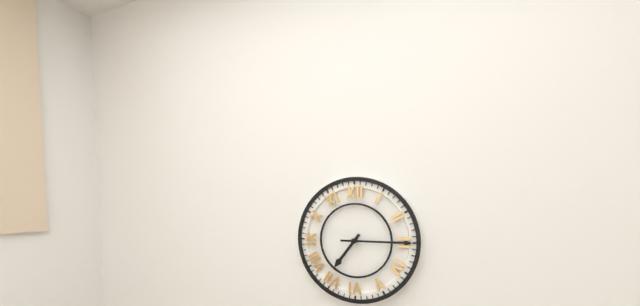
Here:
h=7 m=15
